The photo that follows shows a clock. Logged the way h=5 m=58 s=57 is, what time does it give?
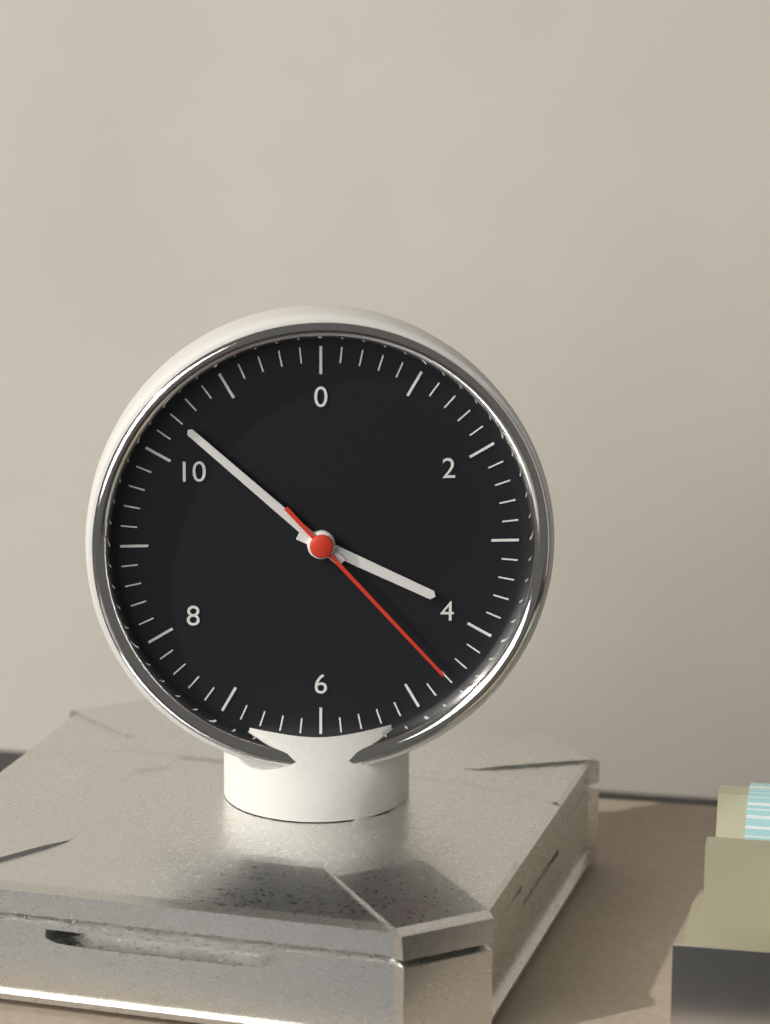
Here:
h=3 m=52 s=23
